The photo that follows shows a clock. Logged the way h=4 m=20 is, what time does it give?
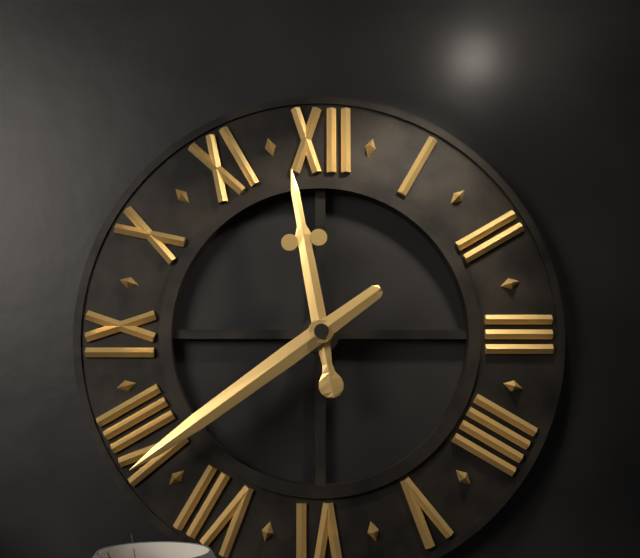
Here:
h=11 m=39
